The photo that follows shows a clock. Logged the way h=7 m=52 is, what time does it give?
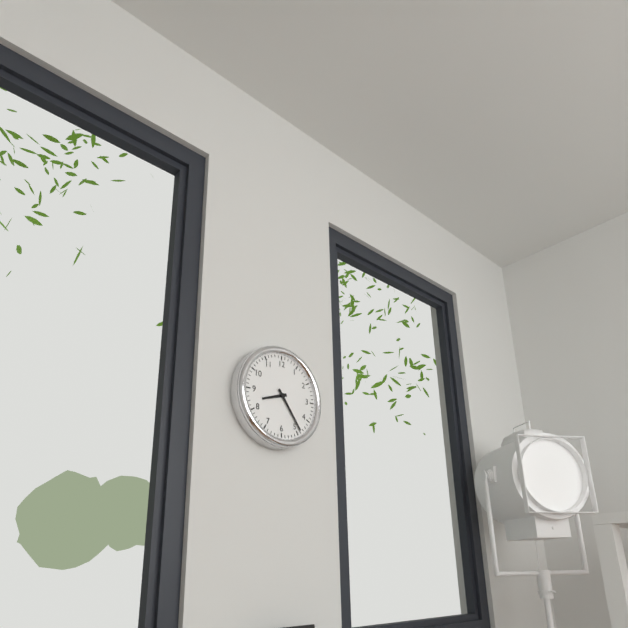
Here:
h=8 m=24
